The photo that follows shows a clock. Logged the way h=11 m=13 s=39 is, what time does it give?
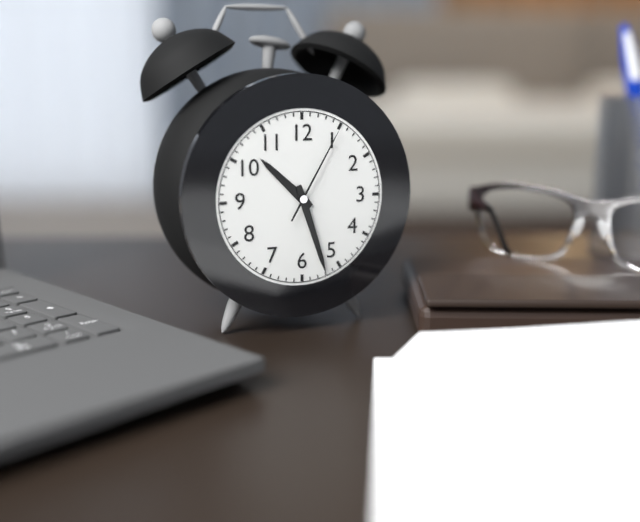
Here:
h=10 m=27 s=5
